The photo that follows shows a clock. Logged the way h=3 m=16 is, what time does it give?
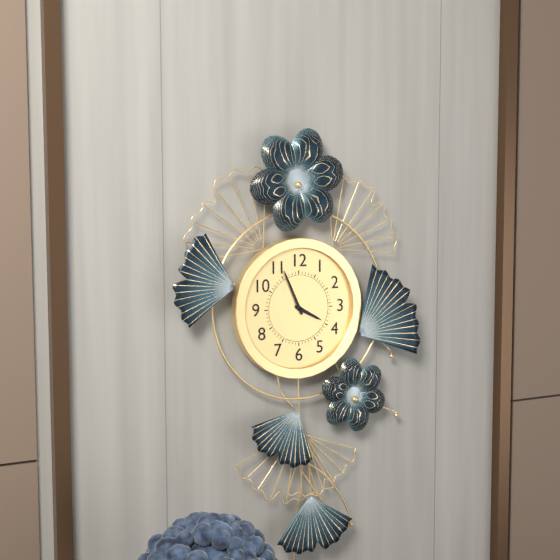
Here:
h=3 m=56
